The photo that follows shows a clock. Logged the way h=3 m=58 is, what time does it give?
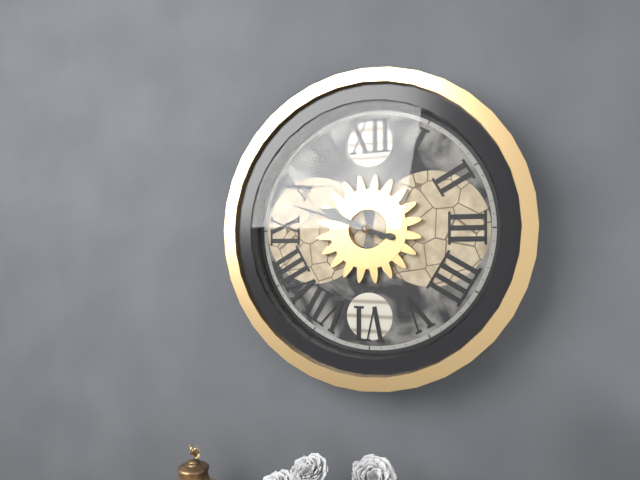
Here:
h=9 m=48
